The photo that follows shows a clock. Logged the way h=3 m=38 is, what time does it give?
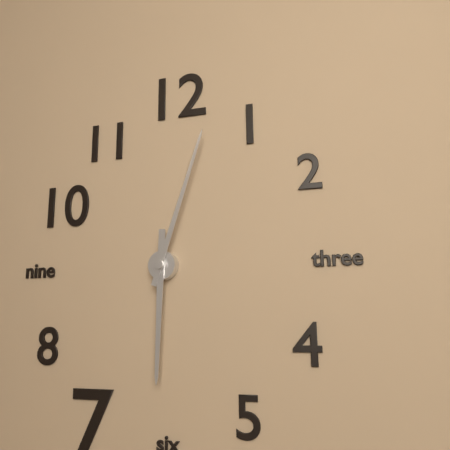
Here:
h=6 m=3
